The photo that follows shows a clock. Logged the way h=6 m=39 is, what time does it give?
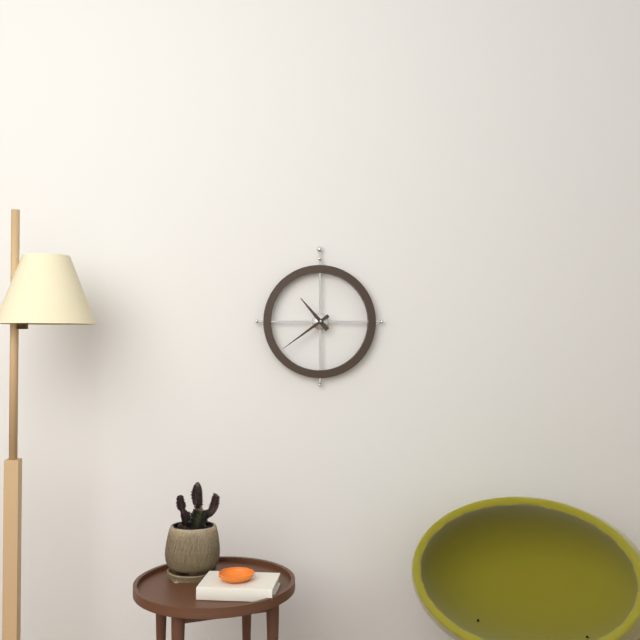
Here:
h=10 m=39
